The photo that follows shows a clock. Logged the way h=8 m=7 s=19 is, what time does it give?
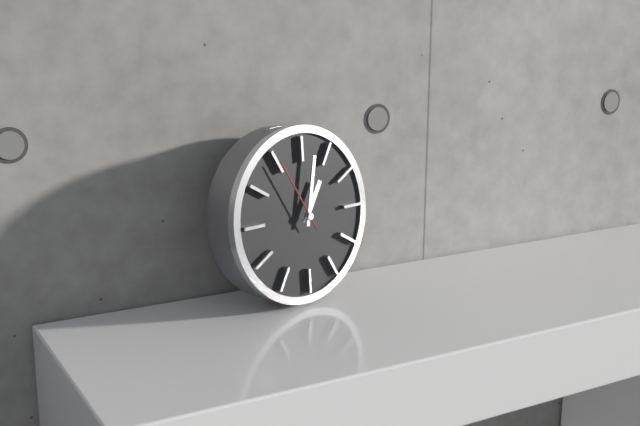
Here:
h=1 m=2 s=55
